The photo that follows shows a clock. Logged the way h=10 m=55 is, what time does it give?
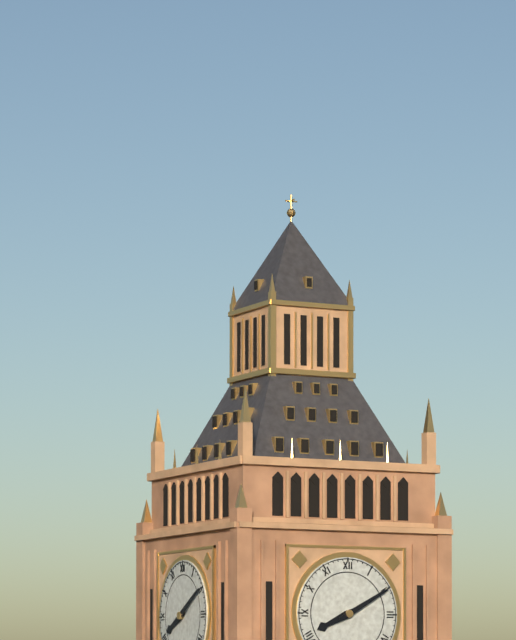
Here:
h=8 m=10
